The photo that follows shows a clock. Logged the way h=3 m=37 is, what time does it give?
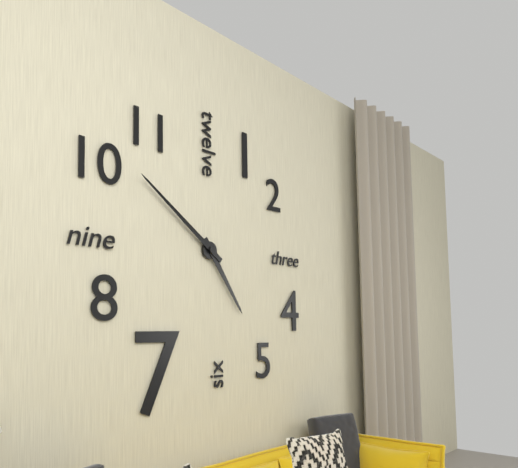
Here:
h=4 m=51
